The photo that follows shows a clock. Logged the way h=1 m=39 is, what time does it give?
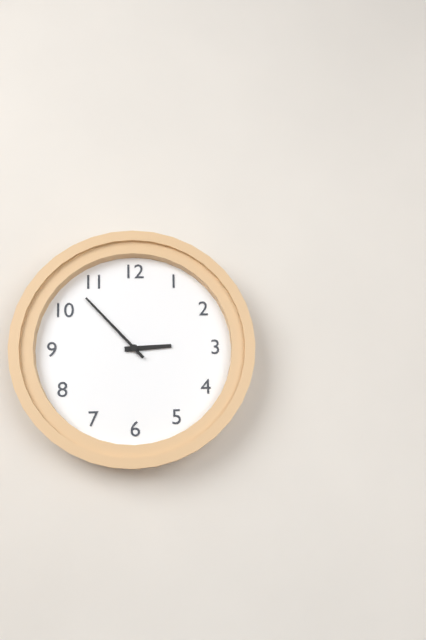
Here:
h=2 m=53
